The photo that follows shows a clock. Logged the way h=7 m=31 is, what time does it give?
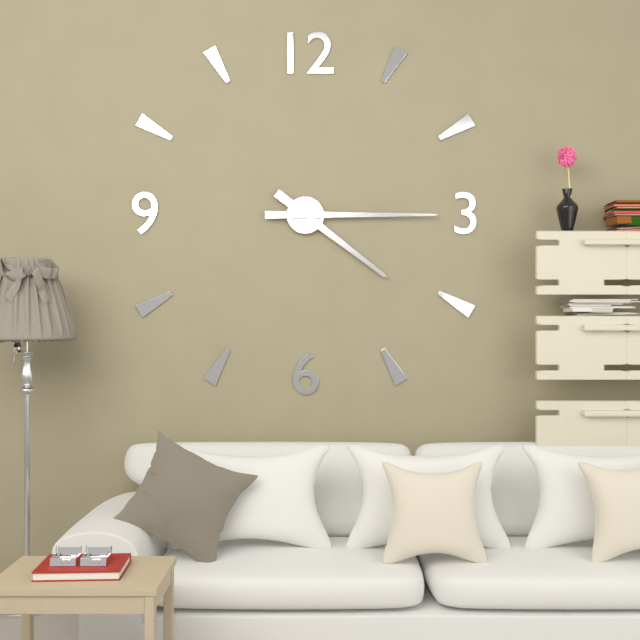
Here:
h=4 m=15
